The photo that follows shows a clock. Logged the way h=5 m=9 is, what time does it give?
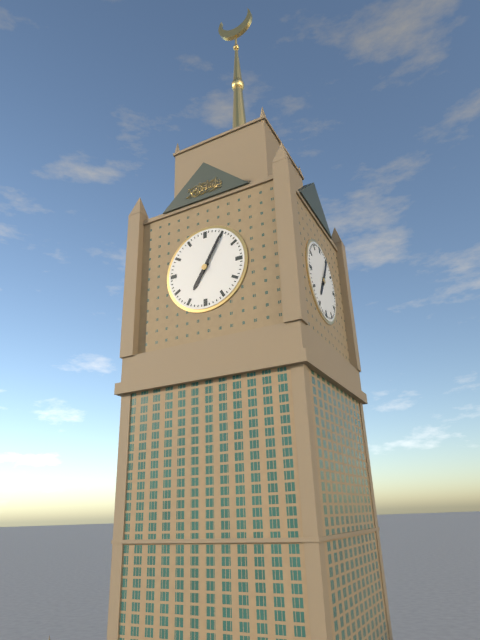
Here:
h=7 m=5
